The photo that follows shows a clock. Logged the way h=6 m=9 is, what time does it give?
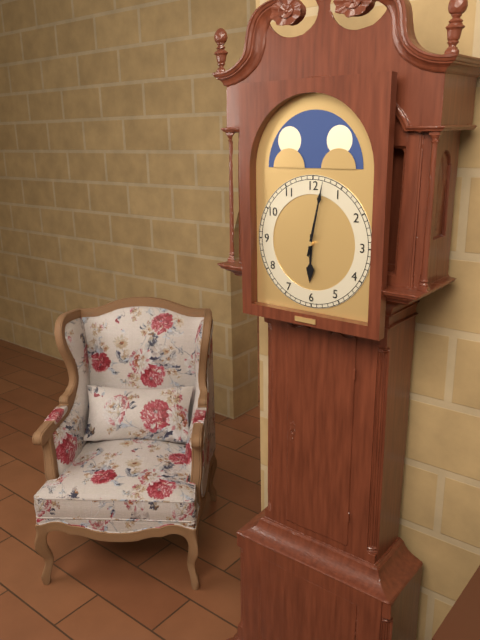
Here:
h=6 m=2
